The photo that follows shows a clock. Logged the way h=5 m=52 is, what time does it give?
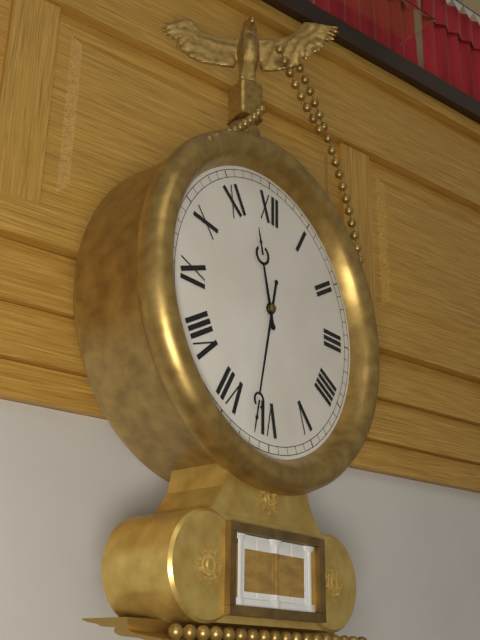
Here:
h=11 m=32
